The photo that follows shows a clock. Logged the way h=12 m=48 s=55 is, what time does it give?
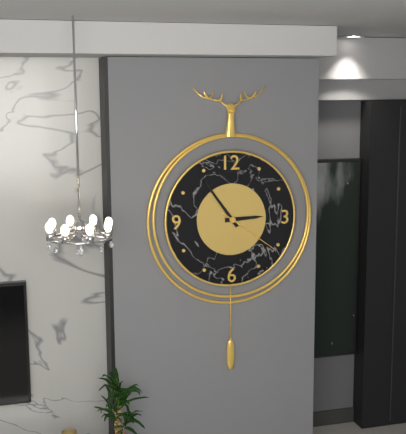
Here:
h=2 m=54 s=21
